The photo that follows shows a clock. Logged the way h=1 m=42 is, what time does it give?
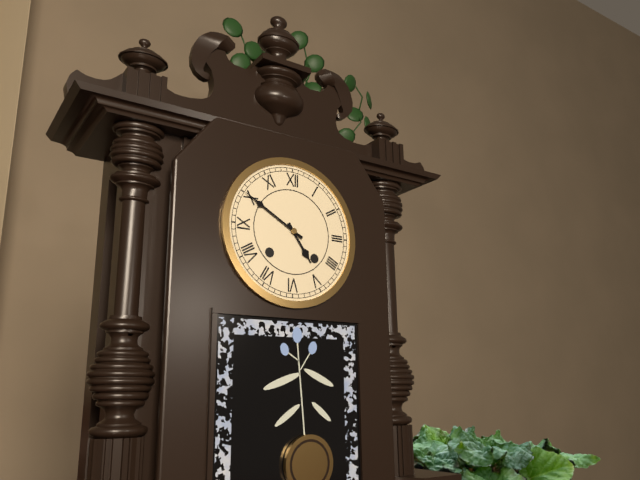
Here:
h=4 m=50
